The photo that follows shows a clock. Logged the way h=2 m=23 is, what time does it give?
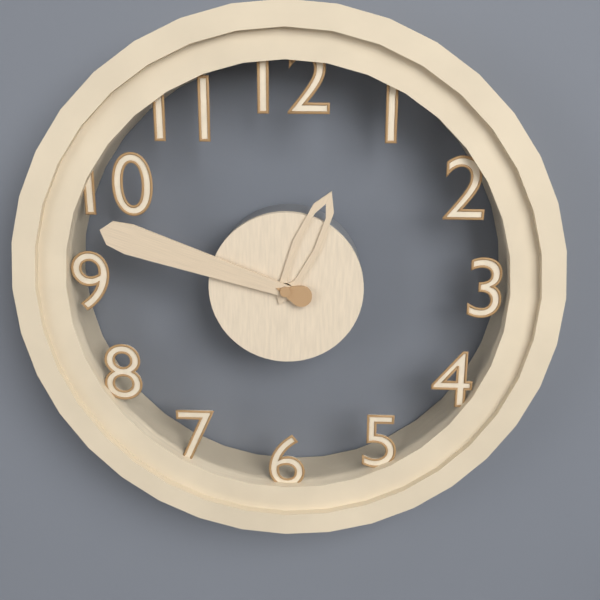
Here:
h=12 m=48
